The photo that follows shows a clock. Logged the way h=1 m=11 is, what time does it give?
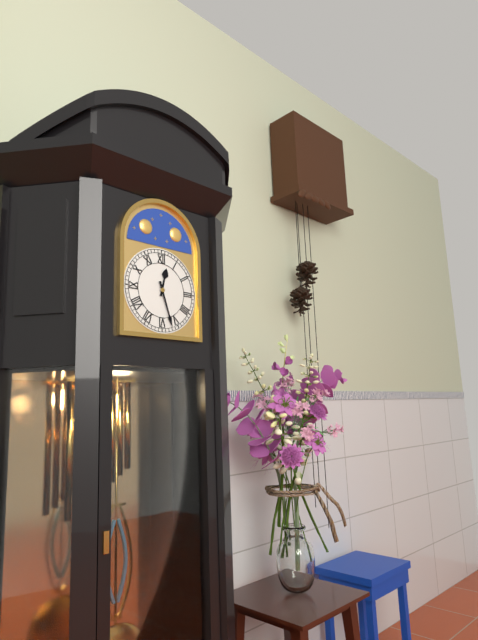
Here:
h=12 m=27
